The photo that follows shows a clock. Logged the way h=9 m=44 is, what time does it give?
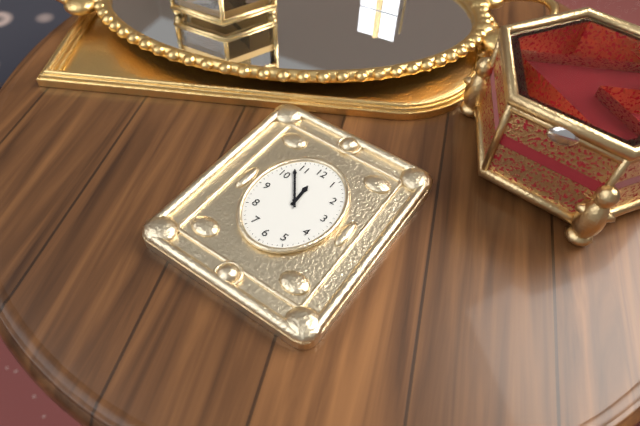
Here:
h=11 m=54
